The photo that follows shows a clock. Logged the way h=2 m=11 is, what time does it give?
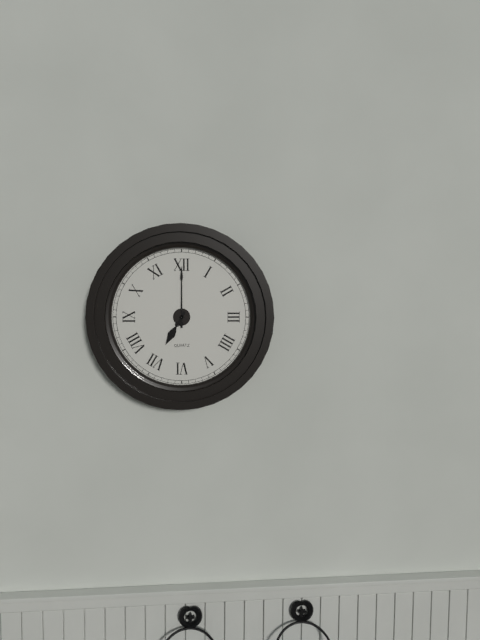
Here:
h=7 m=0
